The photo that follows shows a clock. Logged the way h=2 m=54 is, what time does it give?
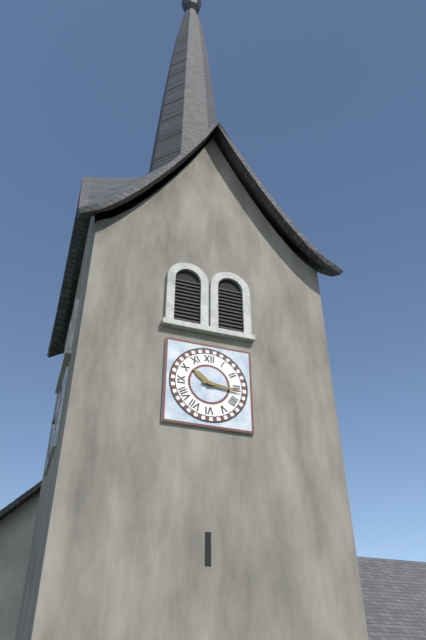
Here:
h=10 m=16
